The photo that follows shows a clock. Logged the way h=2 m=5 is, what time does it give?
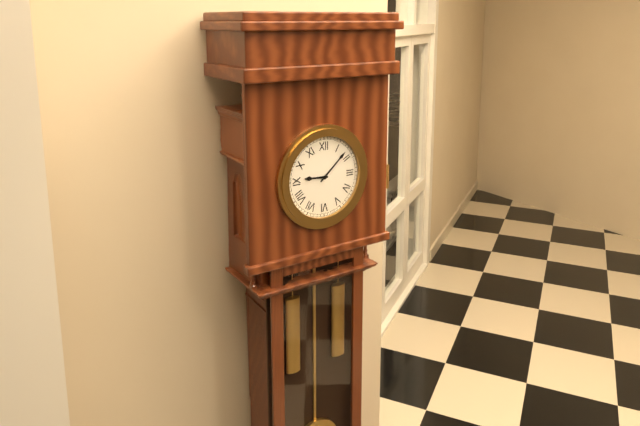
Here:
h=9 m=8
